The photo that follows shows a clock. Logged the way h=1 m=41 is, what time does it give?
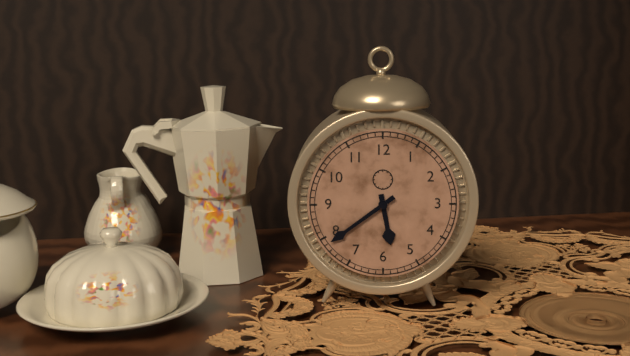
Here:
h=5 m=39
